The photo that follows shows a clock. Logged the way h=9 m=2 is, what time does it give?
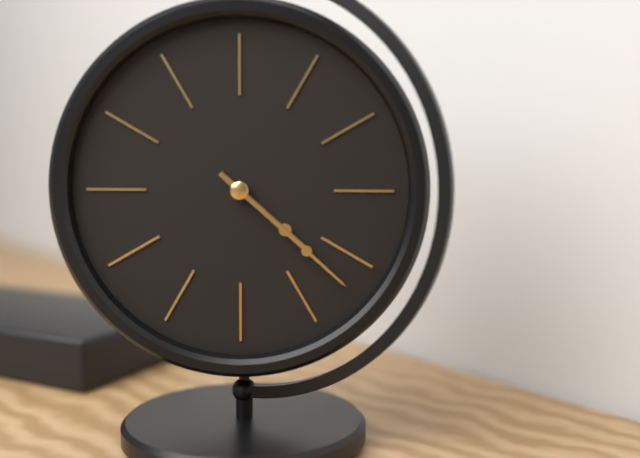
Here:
h=4 m=22
